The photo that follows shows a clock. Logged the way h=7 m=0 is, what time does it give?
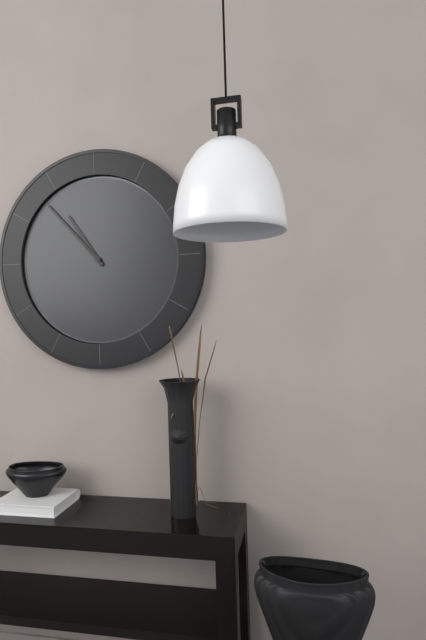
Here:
h=10 m=53
